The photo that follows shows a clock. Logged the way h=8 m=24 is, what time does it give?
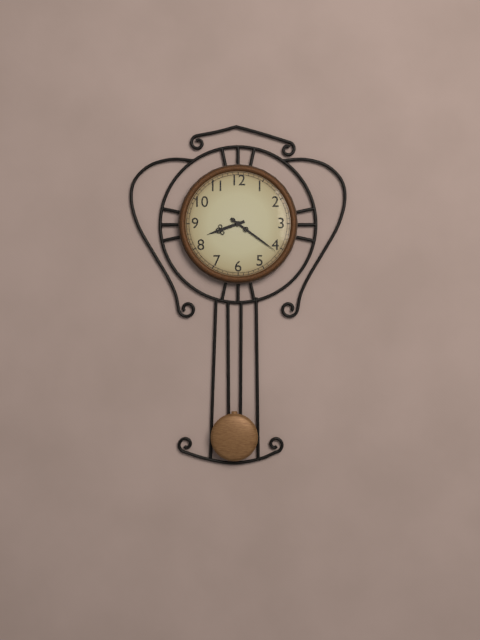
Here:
h=8 m=21
